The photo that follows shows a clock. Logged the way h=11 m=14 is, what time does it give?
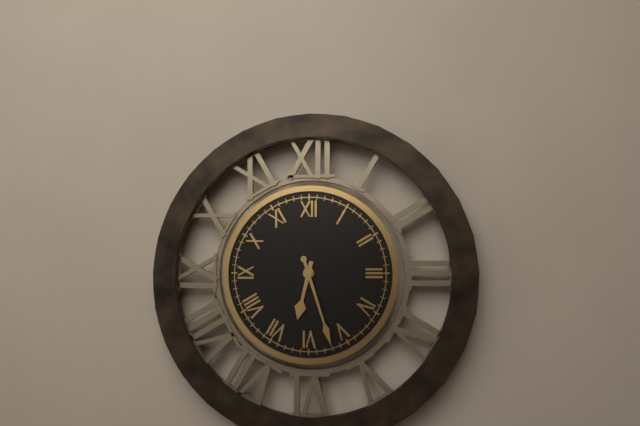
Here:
h=6 m=27
